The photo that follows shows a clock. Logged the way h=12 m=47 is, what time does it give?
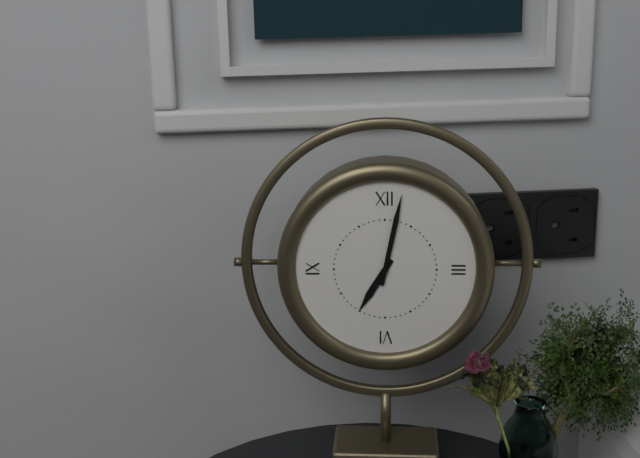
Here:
h=7 m=2
